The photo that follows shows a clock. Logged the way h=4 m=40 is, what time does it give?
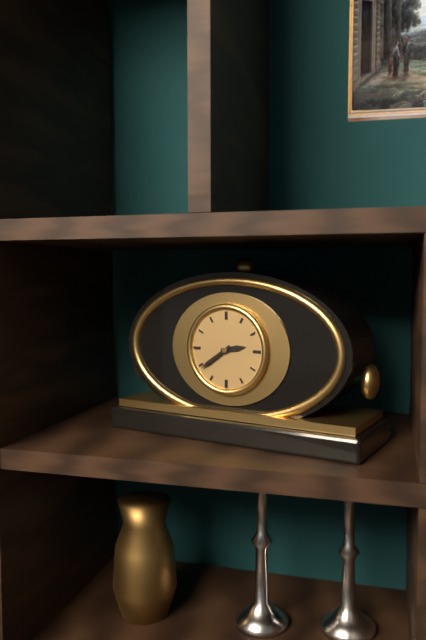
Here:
h=2 m=39
